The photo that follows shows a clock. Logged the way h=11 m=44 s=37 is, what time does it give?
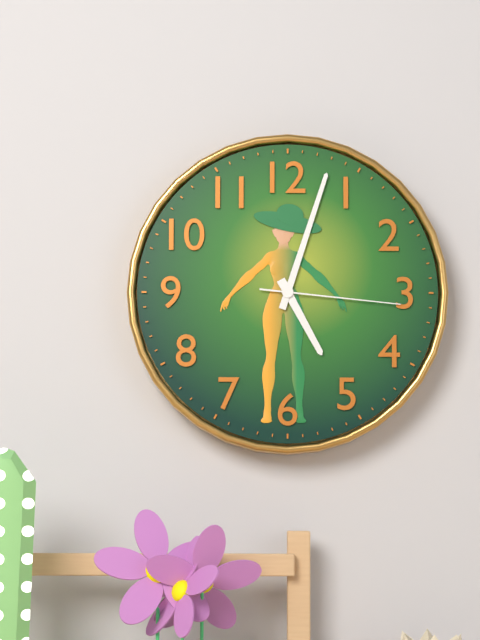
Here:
h=5 m=3 s=16
